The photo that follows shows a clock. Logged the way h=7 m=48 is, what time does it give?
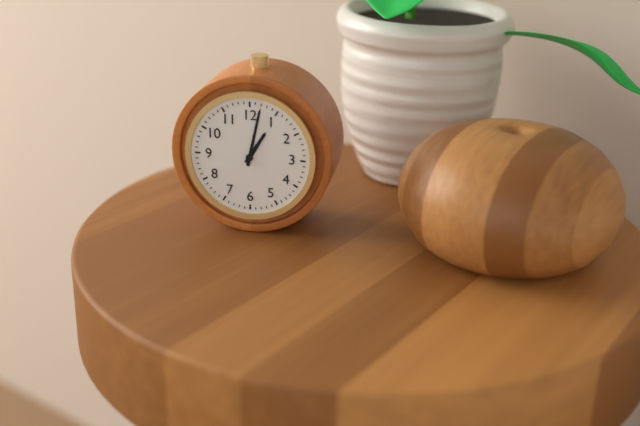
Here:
h=1 m=2
